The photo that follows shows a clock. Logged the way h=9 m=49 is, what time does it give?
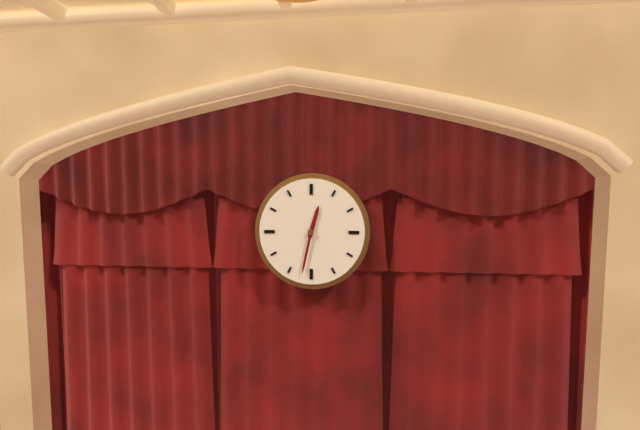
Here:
h=12 m=32
